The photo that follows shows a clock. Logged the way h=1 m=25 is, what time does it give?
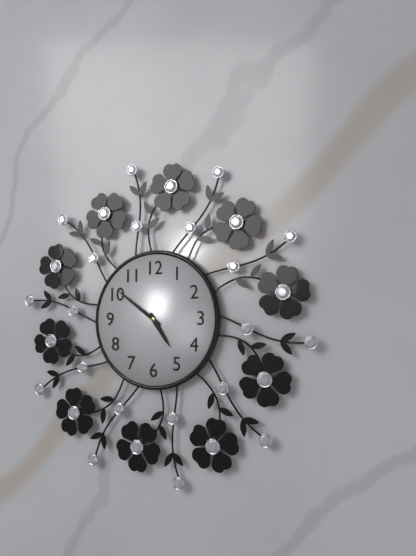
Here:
h=4 m=51
